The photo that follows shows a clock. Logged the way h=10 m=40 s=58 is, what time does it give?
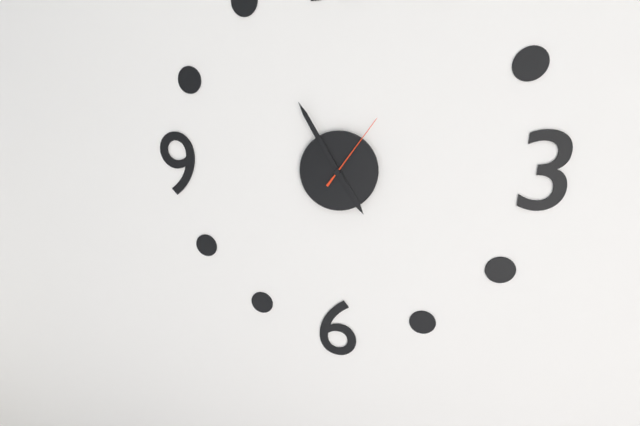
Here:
h=4 m=55 s=6
